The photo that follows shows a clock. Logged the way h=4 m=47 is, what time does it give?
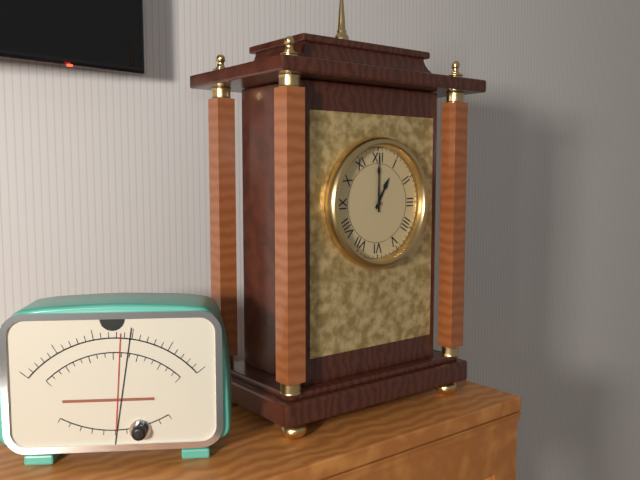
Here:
h=1 m=0
